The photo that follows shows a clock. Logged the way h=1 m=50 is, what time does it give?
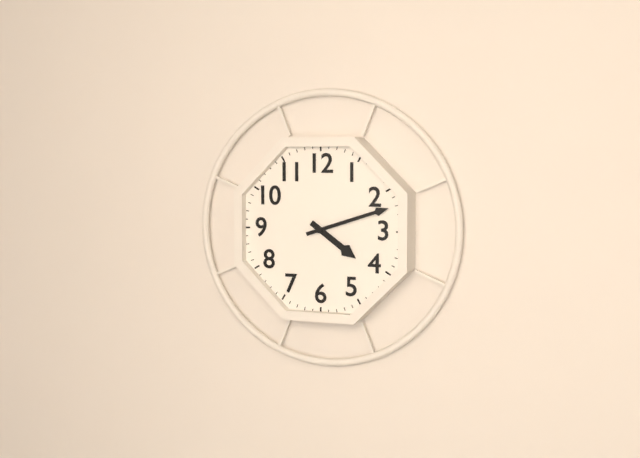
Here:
h=4 m=12
